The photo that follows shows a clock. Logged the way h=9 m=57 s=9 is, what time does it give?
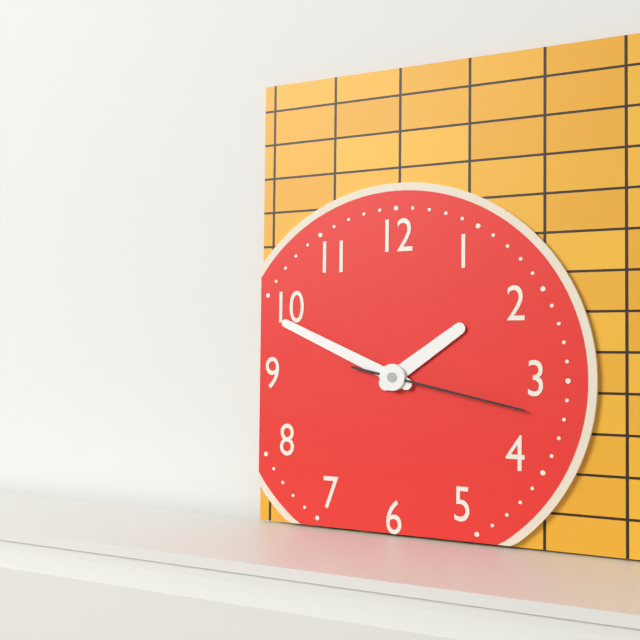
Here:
h=1 m=49 s=17
